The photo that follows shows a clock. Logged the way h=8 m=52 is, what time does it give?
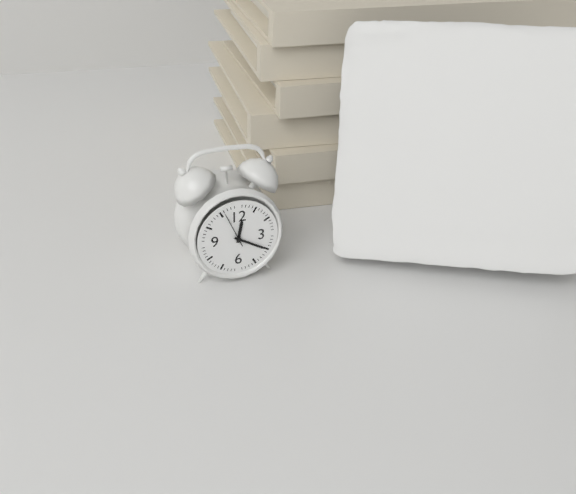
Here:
h=12 m=20
